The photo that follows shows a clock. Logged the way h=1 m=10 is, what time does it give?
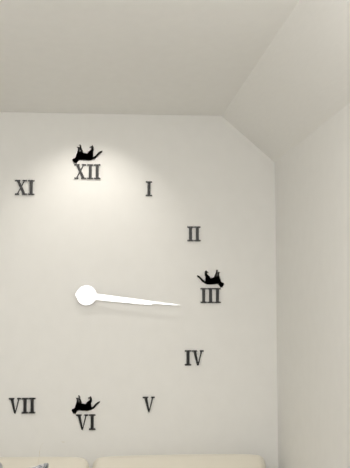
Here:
h=3 m=16
